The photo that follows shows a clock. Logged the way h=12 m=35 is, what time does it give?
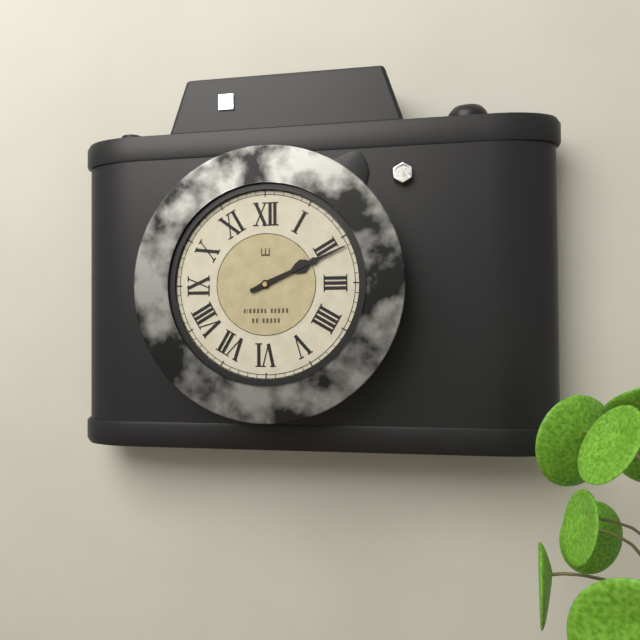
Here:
h=2 m=11
